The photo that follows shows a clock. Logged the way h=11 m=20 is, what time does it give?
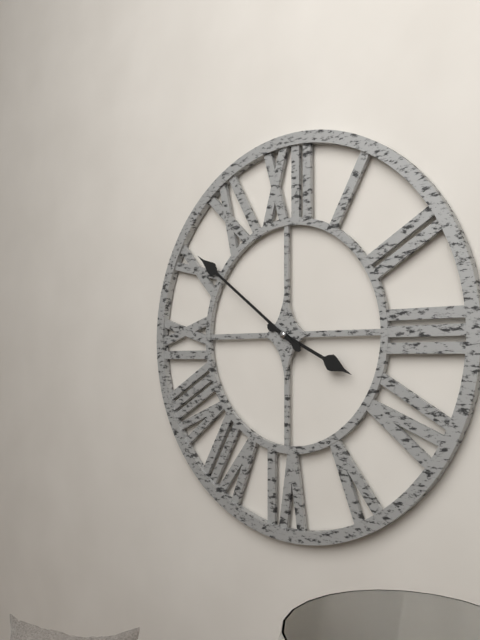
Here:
h=3 m=51
